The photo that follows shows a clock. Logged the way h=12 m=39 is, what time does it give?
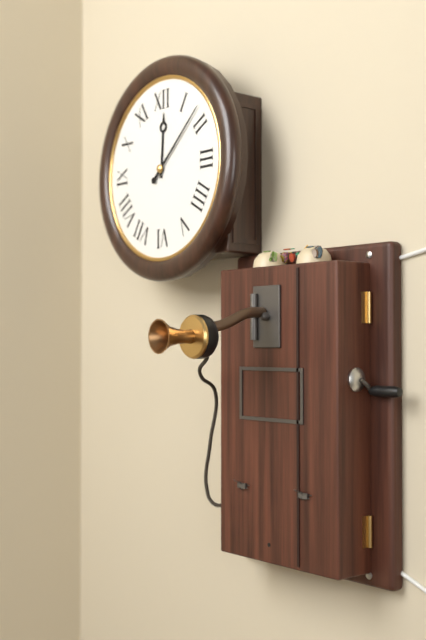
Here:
h=12 m=8
